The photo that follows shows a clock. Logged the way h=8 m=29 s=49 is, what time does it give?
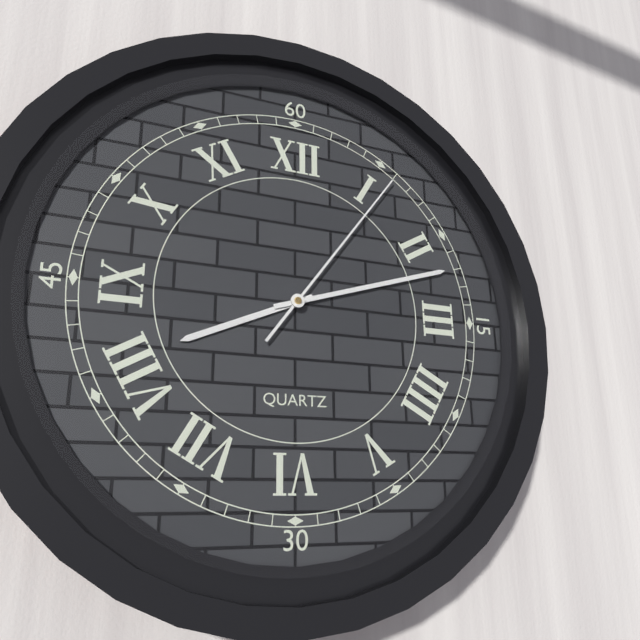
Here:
h=8 m=12 s=6
